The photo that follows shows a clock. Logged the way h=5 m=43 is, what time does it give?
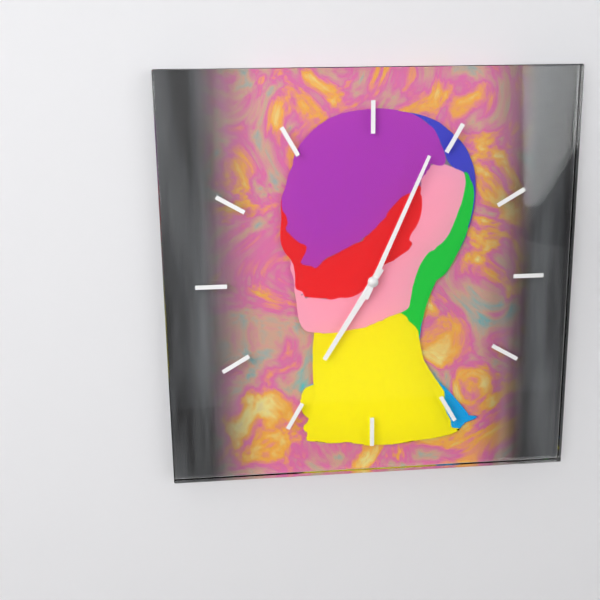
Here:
h=7 m=4
